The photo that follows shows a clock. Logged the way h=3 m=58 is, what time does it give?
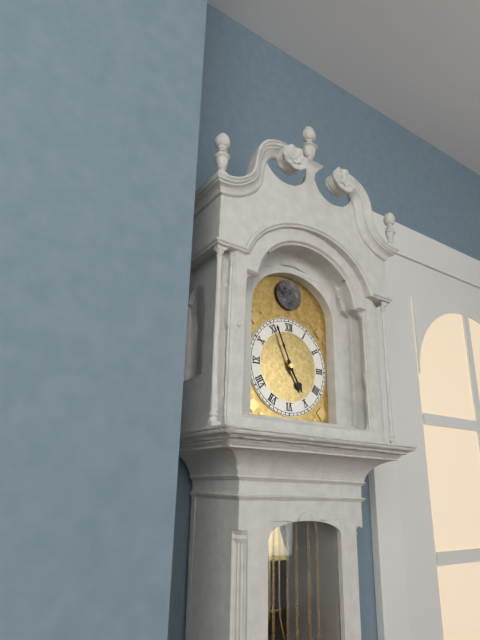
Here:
h=4 m=56
